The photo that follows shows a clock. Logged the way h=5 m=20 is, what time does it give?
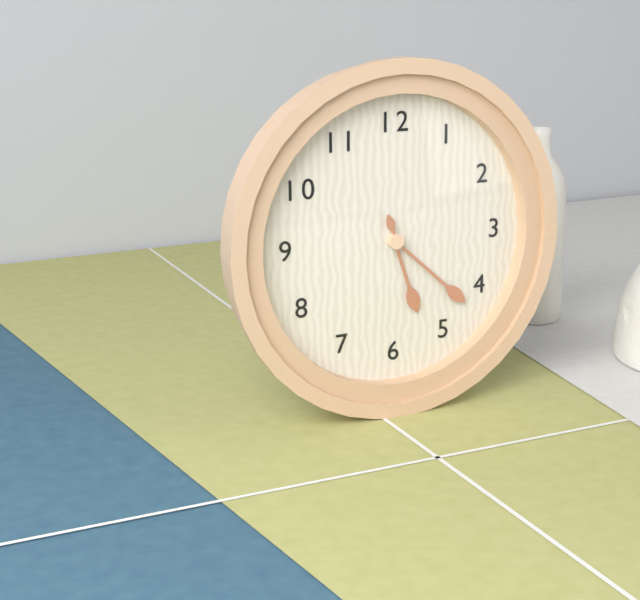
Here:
h=5 m=22
